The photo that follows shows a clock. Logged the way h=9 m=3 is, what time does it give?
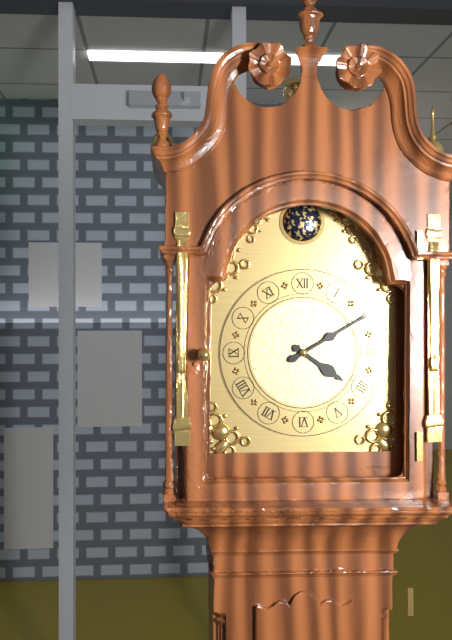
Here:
h=4 m=10
